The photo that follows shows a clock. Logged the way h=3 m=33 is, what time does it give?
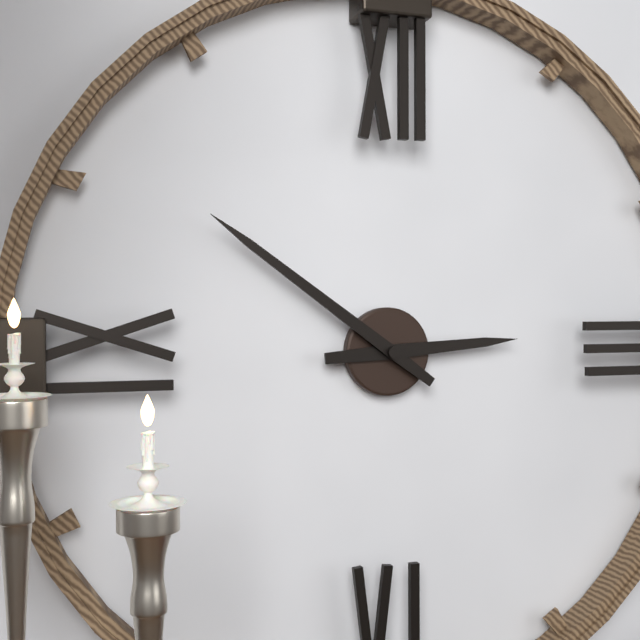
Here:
h=2 m=51
